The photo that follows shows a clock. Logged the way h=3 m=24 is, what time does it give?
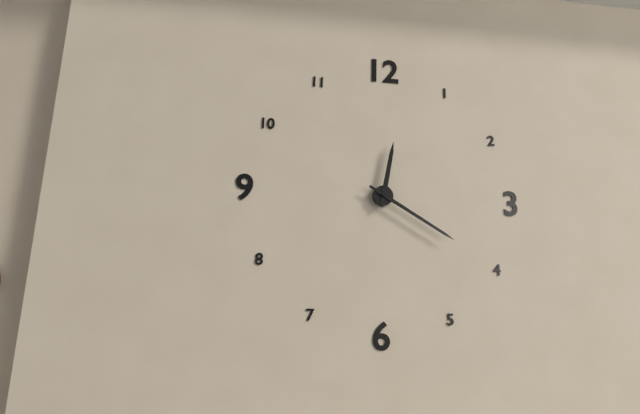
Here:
h=12 m=20
